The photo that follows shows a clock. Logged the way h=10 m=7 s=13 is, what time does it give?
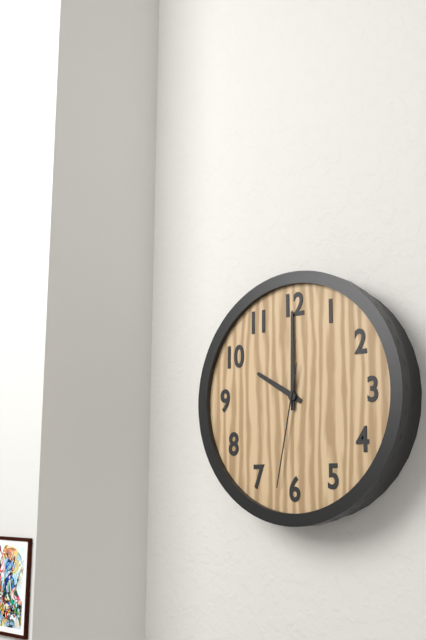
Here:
h=10 m=0 s=32
